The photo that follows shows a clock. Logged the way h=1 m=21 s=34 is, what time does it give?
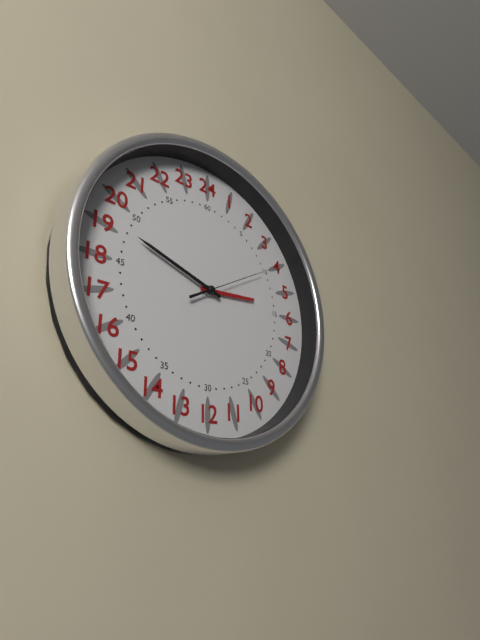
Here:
h=2 m=48 s=10
